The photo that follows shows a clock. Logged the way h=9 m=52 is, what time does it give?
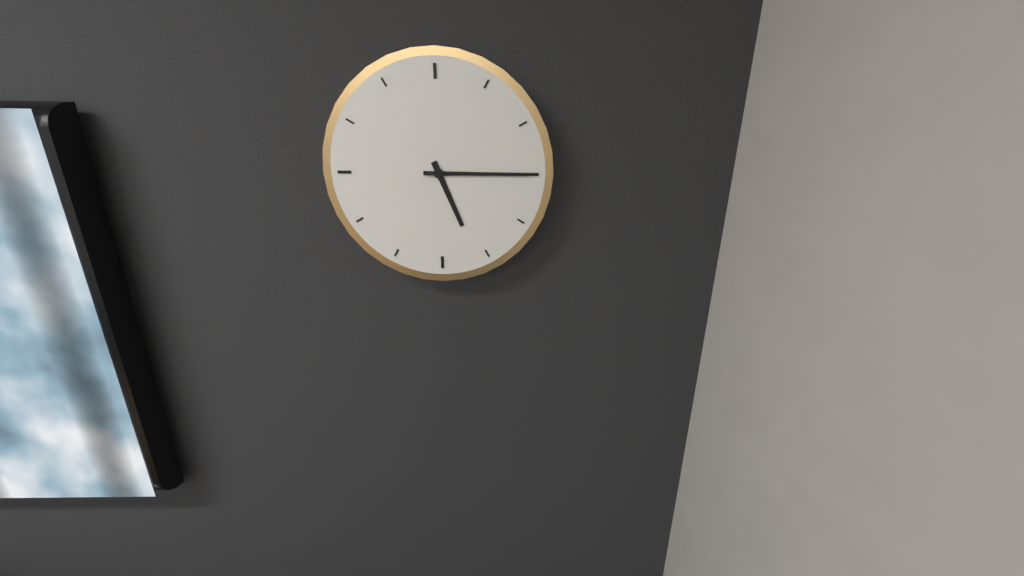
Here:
h=5 m=15
